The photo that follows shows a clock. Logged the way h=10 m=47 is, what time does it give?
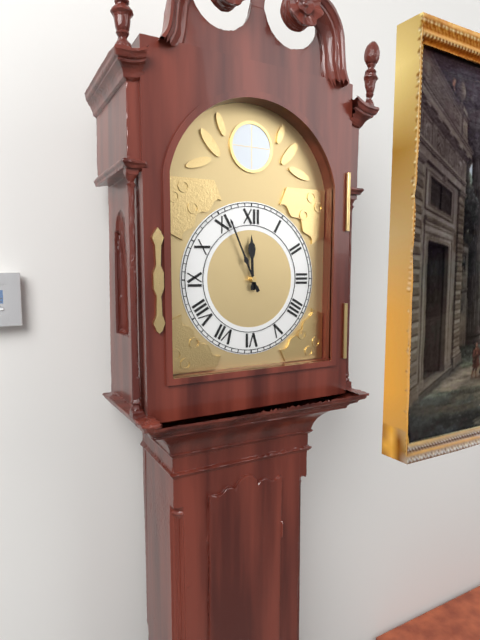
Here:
h=11 m=56
